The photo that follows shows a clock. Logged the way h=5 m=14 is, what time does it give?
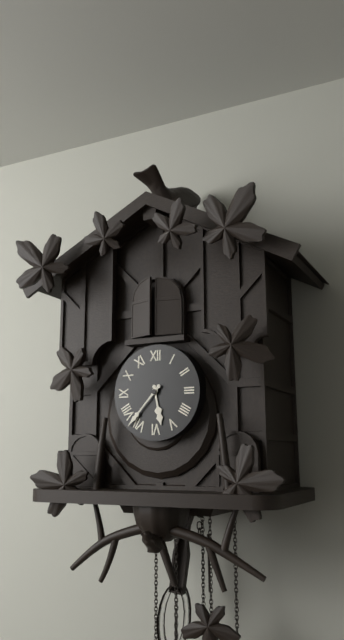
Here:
h=5 m=37
